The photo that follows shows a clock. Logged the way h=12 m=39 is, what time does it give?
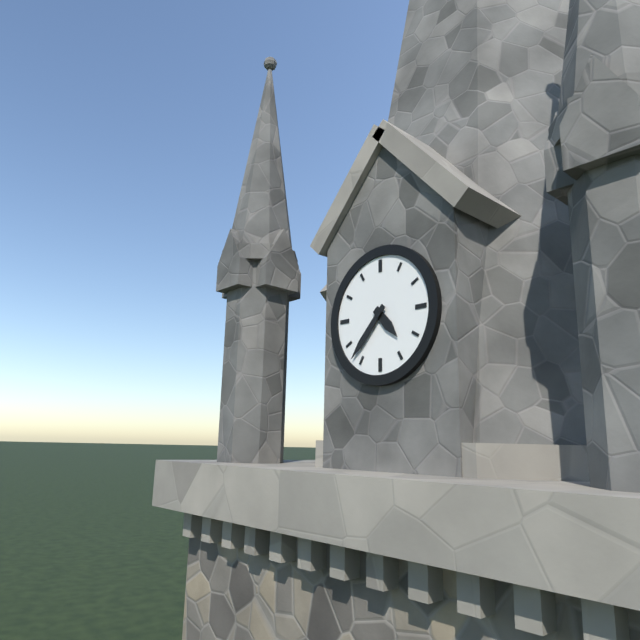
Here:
h=4 m=37
